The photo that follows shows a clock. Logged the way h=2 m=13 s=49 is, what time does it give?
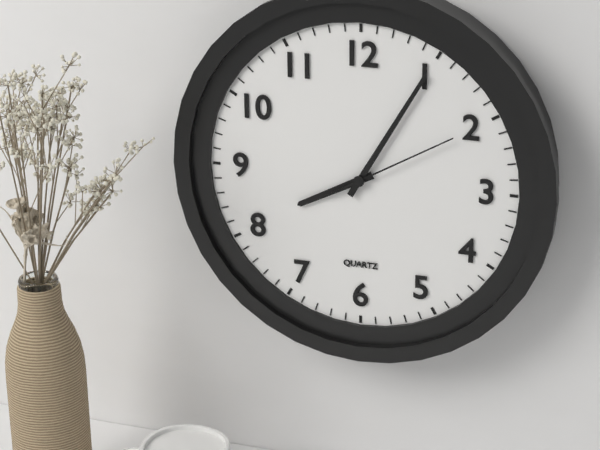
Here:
h=8 m=5 s=10
